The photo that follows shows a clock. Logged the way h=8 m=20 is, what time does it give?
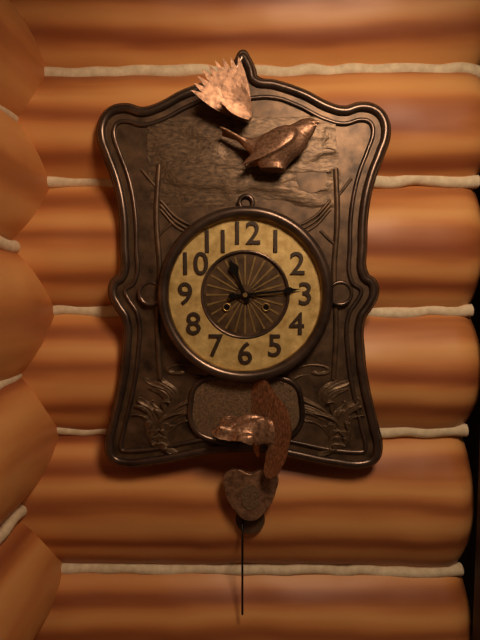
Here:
h=11 m=14
